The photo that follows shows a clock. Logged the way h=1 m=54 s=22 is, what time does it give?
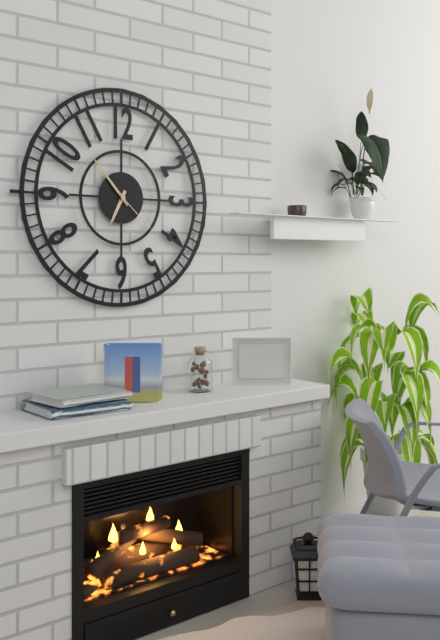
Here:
h=6 m=53 s=22
